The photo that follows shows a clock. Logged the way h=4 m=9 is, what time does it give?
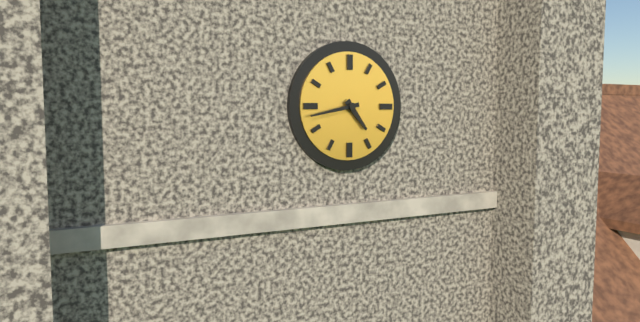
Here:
h=4 m=43
